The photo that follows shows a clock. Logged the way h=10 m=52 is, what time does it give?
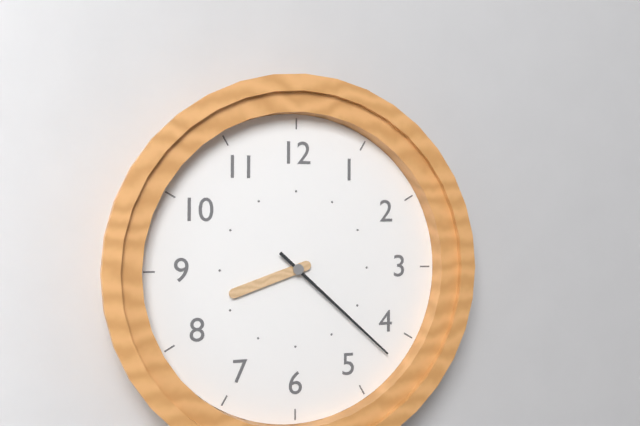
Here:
h=8 m=22
